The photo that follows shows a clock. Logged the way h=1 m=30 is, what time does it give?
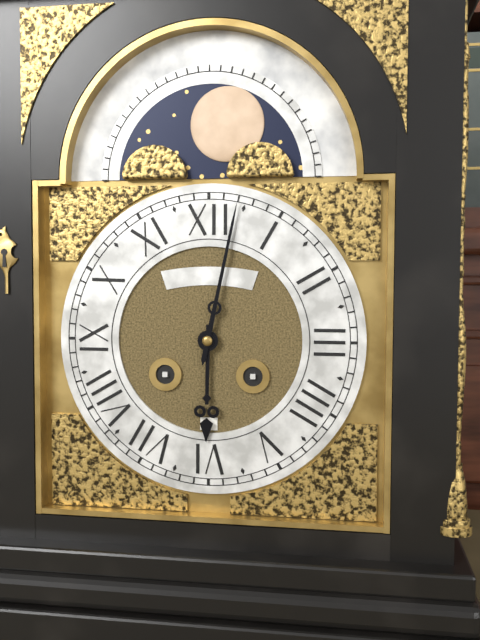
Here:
h=6 m=2
